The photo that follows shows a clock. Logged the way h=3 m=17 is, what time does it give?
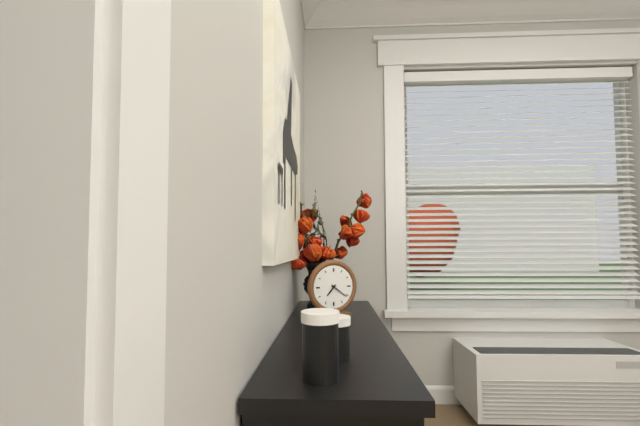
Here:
h=7 m=21
